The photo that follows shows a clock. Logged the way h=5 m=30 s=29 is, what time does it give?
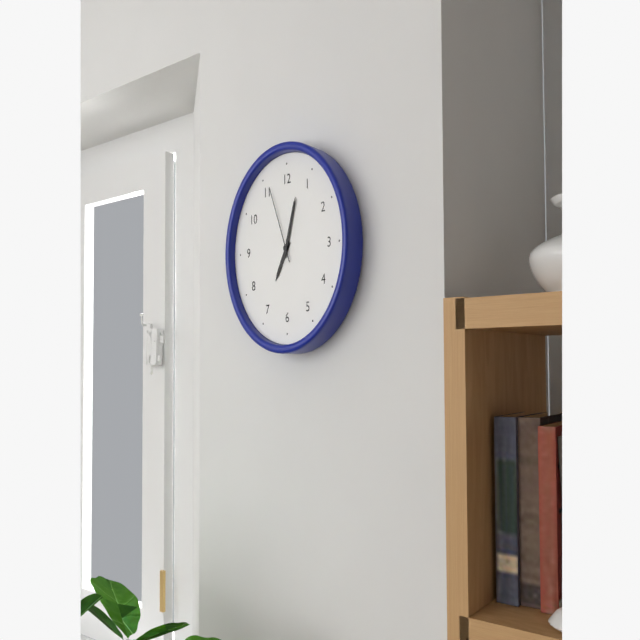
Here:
h=7 m=3 s=56
